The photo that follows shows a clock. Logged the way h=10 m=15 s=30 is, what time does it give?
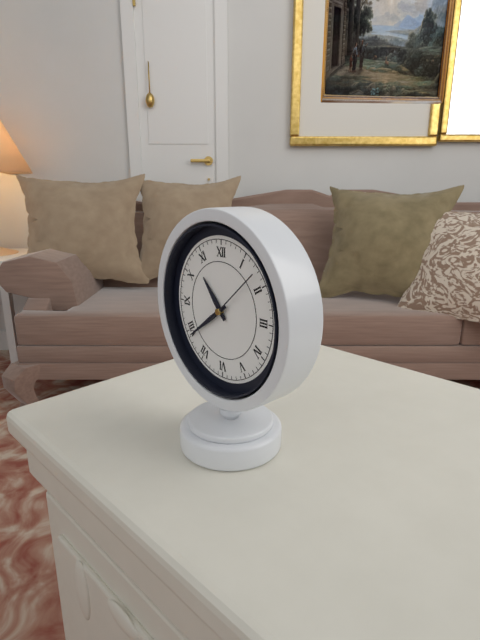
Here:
h=10 m=39 s=8
